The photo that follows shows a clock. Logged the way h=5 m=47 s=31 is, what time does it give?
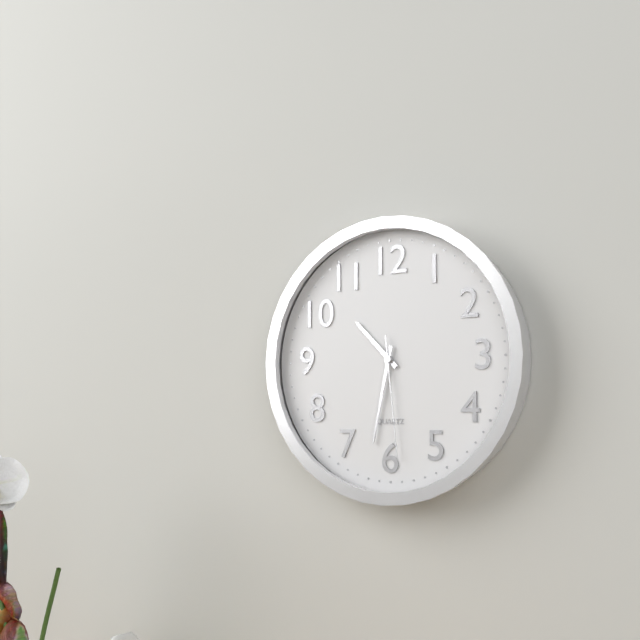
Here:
h=10 m=32 s=29
